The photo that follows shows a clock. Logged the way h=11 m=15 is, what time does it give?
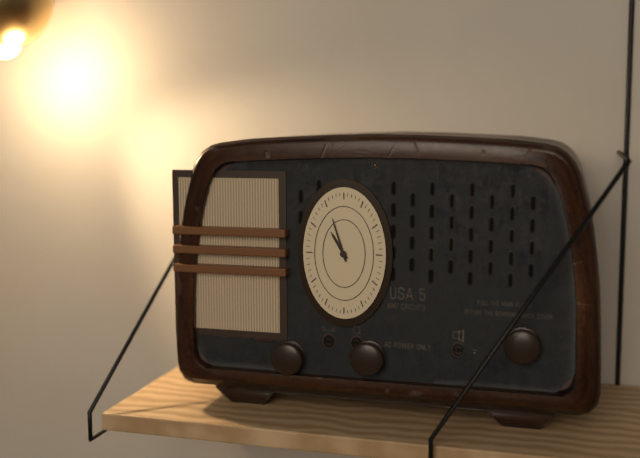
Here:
h=10 m=57
